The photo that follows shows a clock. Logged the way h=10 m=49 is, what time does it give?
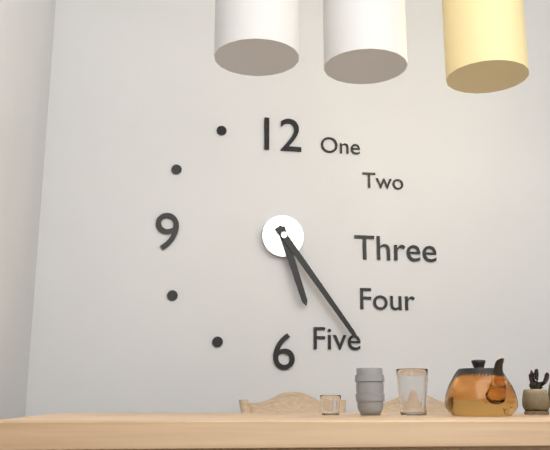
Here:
h=5 m=24
